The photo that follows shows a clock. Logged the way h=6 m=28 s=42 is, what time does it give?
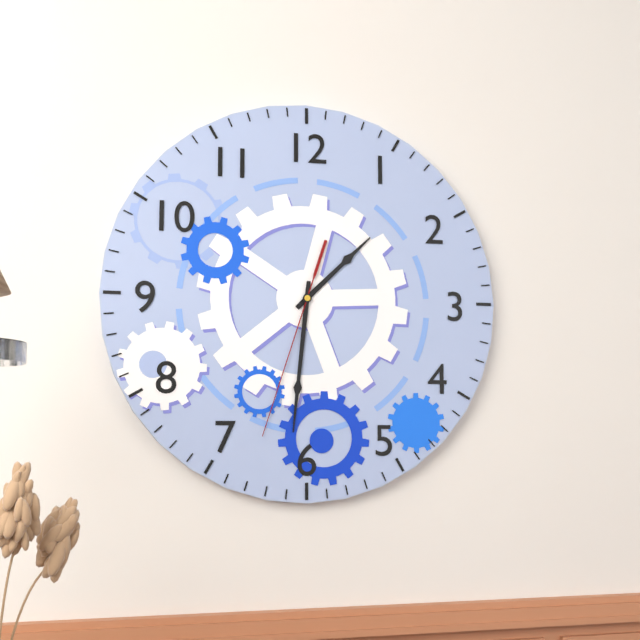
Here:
h=1 m=31 s=33
